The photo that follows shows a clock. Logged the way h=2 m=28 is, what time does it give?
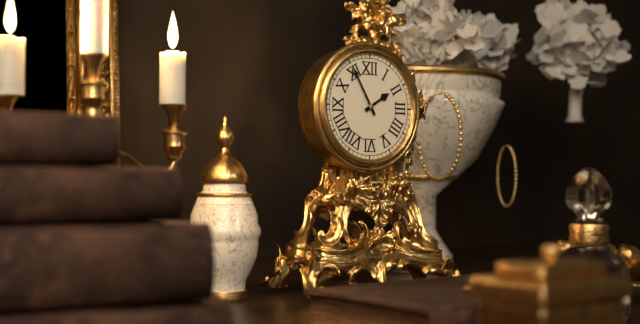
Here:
h=1 m=55
